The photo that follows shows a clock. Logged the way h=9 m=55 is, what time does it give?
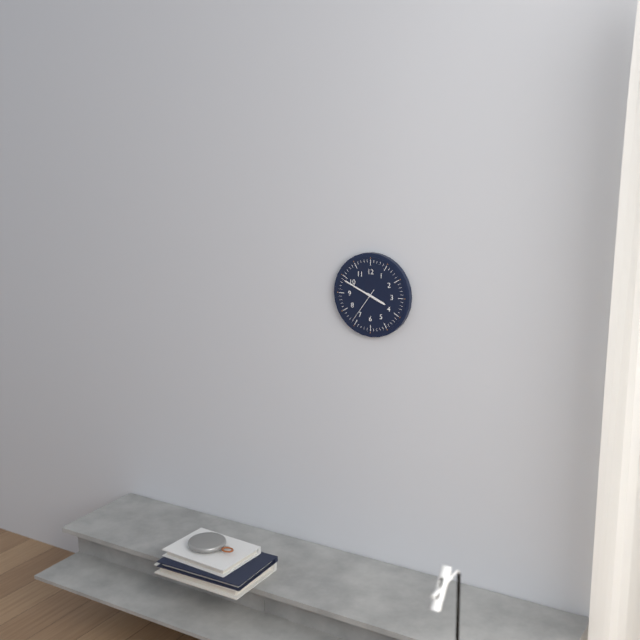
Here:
h=3 m=49
